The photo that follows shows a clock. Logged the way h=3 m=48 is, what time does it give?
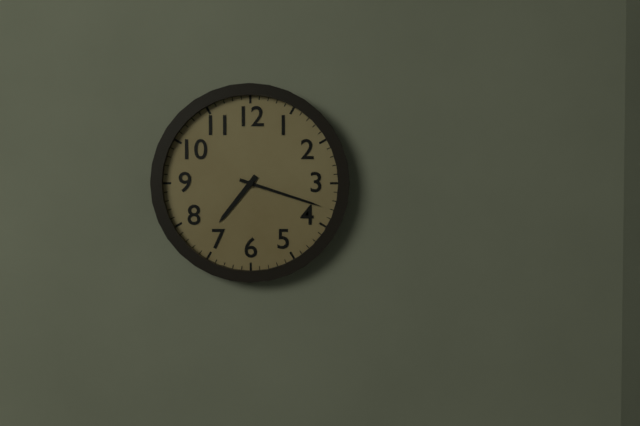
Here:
h=7 m=18
